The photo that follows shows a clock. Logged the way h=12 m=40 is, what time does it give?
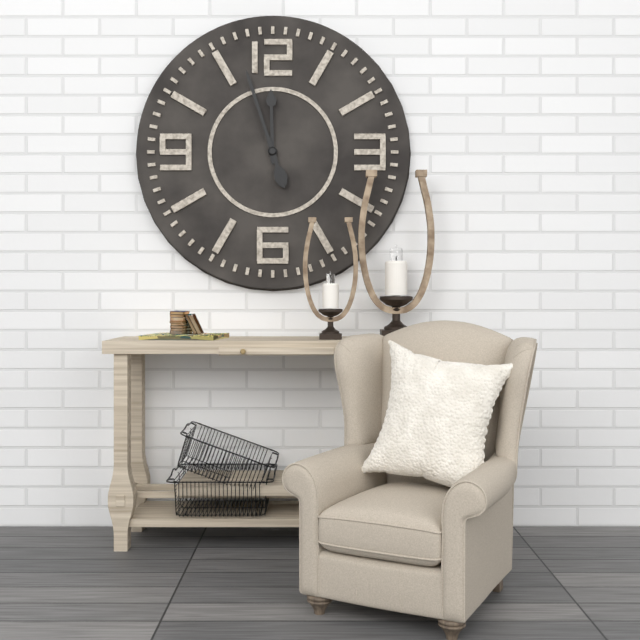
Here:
h=11 m=57
